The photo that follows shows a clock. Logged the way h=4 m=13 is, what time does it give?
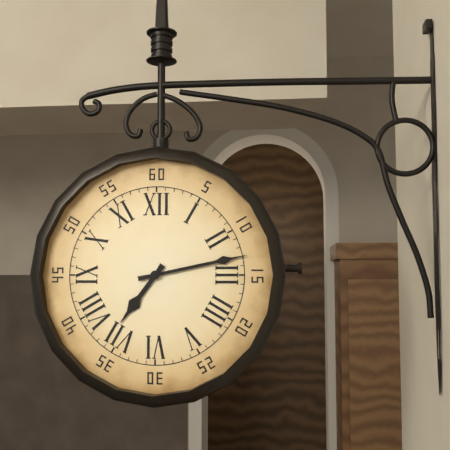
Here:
h=7 m=13
